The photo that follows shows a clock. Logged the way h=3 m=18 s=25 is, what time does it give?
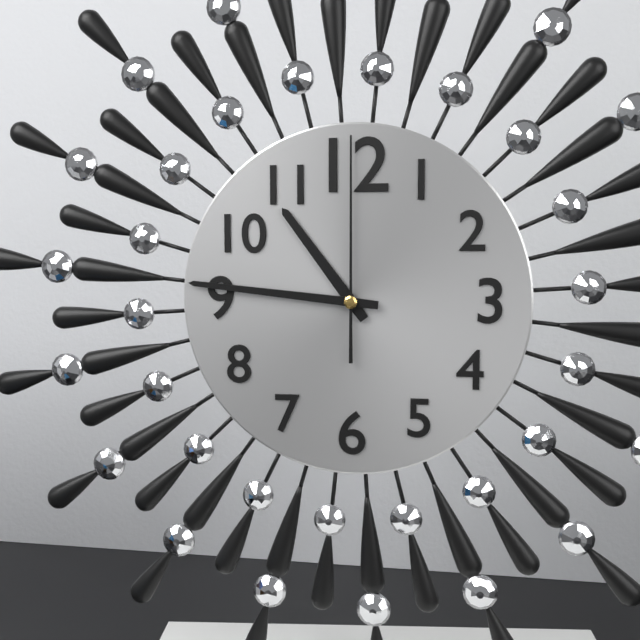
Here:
h=10 m=46 s=0
